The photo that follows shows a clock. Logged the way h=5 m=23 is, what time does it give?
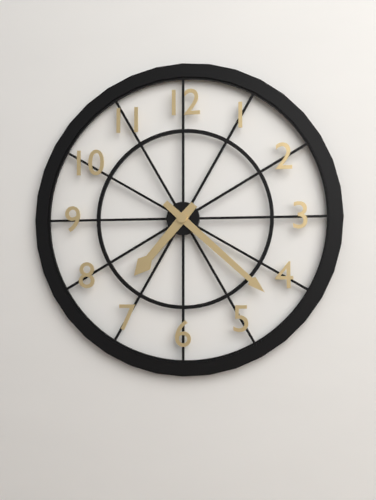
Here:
h=7 m=22
